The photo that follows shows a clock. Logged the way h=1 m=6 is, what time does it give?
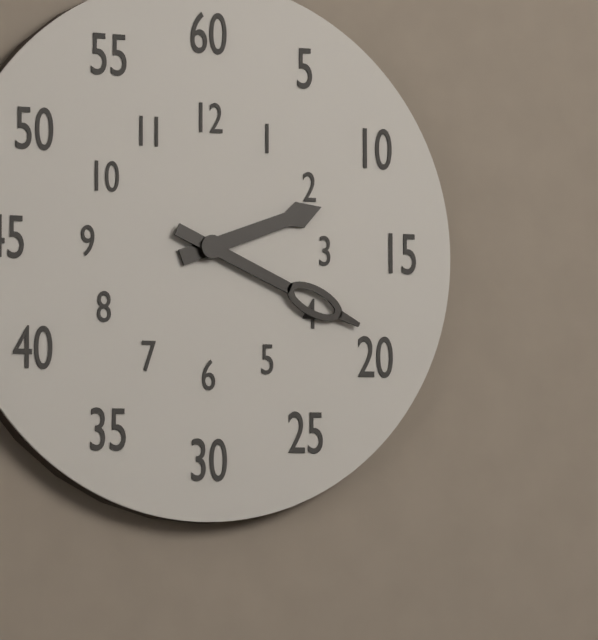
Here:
h=2 m=19
